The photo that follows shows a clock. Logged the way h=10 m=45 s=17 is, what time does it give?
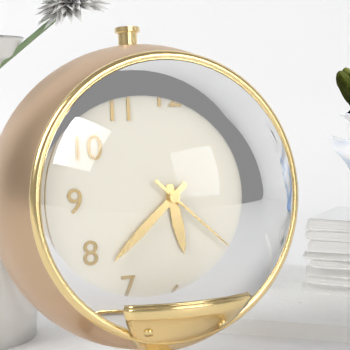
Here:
h=5 m=38 s=22
